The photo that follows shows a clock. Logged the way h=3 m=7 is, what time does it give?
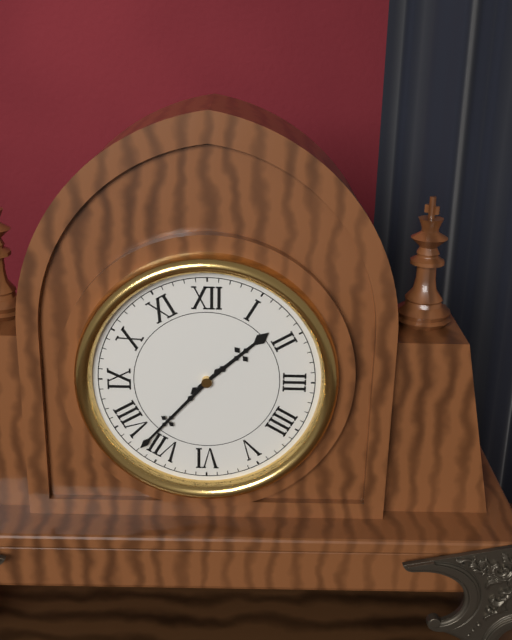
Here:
h=1 m=37
